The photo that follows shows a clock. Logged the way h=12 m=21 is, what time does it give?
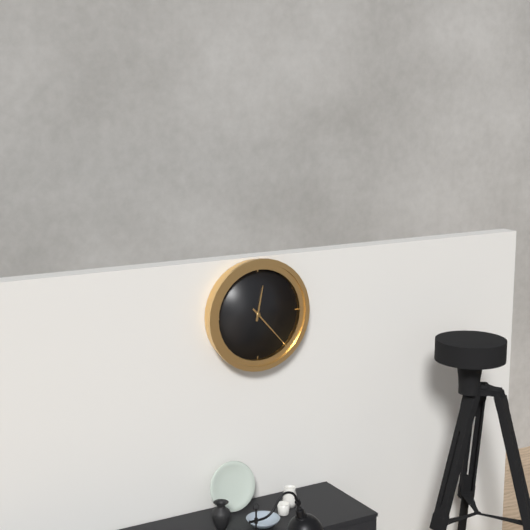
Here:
h=12 m=23
